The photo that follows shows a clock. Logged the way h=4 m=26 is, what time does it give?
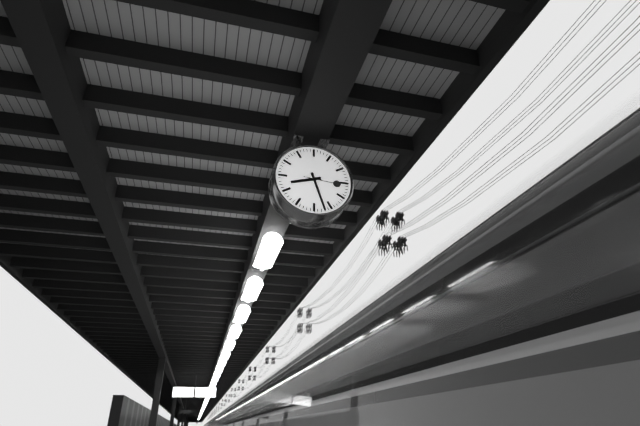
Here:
h=8 m=27
